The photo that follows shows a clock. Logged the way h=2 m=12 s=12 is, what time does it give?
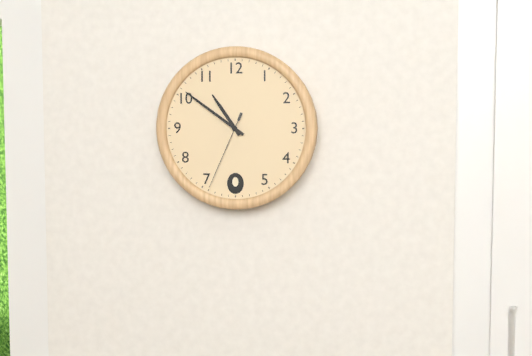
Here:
h=10 m=51 s=34
